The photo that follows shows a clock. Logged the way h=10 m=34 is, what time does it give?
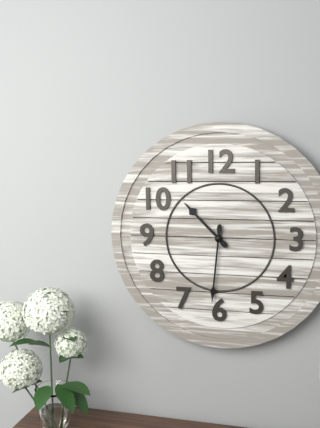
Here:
h=10 m=31
